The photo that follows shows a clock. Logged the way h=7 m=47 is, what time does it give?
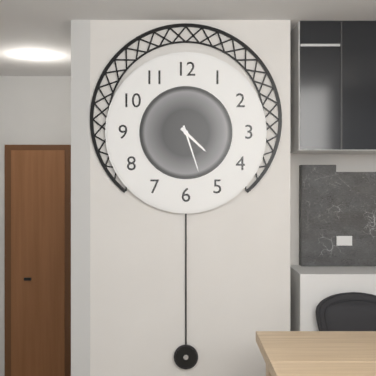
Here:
h=4 m=27
